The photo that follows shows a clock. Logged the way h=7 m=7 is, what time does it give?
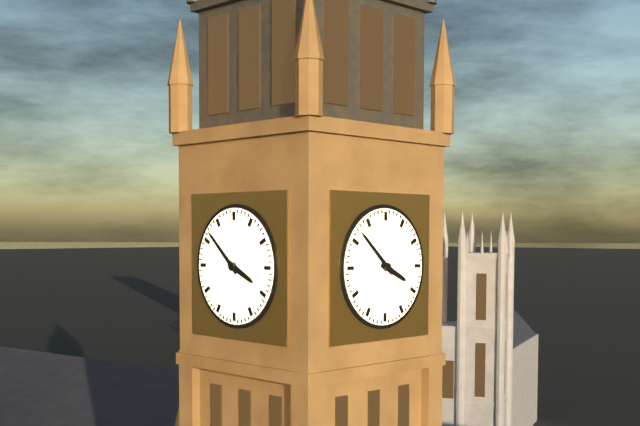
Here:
h=3 m=52
